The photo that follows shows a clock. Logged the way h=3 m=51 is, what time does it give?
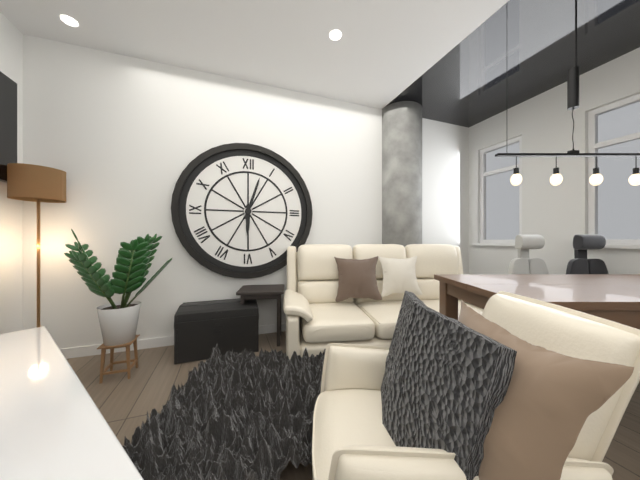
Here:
h=6 m=3
